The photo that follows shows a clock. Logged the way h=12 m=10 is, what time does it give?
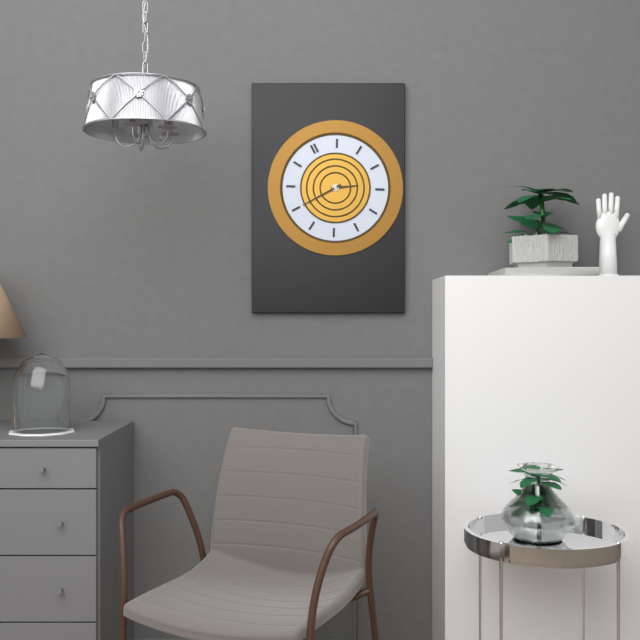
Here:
h=3 m=45
